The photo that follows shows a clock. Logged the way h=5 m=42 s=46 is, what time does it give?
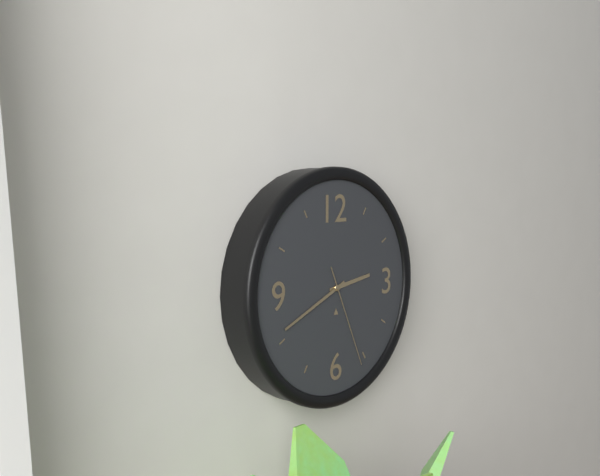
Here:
h=2 m=41 s=26
